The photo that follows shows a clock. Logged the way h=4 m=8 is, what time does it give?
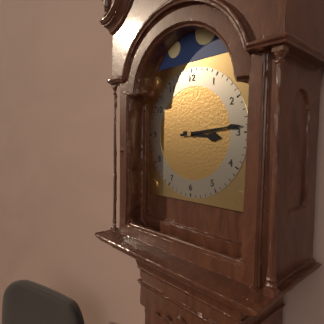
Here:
h=3 m=14
